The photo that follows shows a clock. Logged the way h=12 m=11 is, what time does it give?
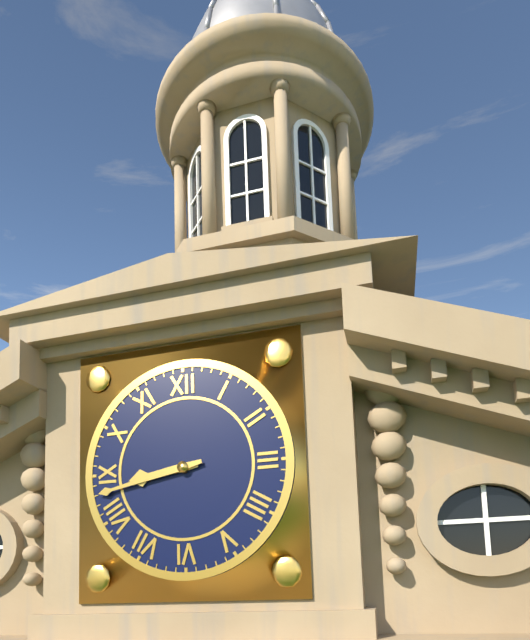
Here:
h=8 m=43
